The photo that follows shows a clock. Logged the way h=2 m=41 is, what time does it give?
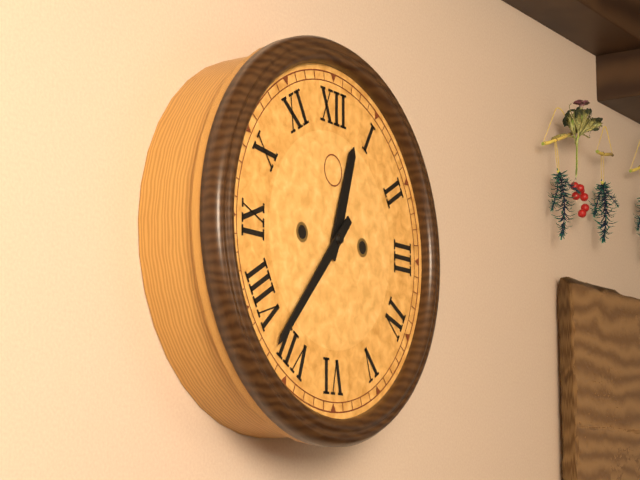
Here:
h=12 m=37
